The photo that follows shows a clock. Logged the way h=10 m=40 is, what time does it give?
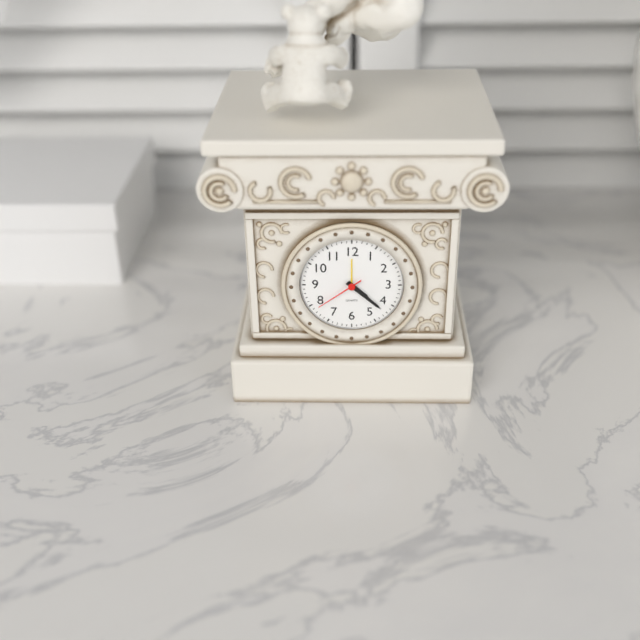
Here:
h=4 m=22
